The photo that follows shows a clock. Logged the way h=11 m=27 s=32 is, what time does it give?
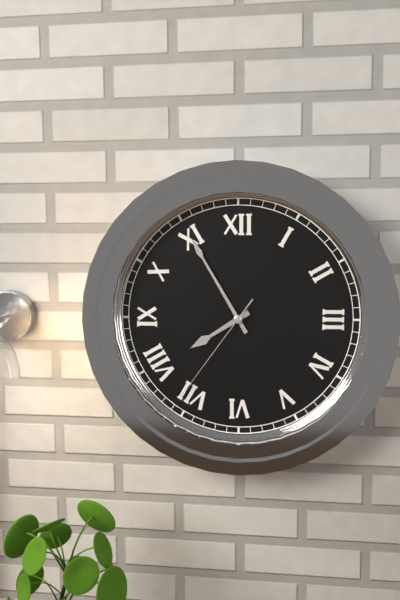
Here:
h=7 m=55 s=36
